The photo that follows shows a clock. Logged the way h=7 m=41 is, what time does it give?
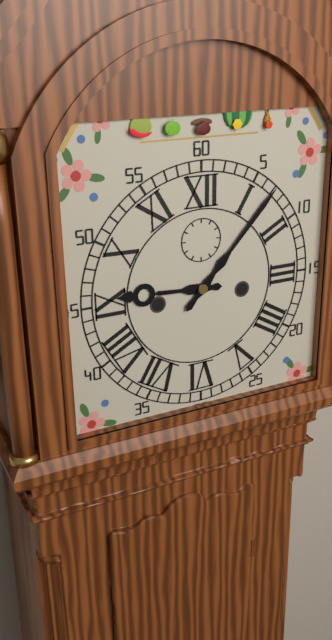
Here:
h=9 m=7
